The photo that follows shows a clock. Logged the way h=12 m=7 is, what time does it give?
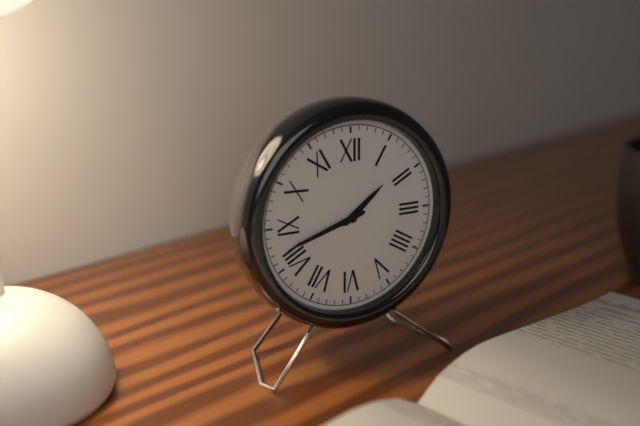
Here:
h=1 m=42
